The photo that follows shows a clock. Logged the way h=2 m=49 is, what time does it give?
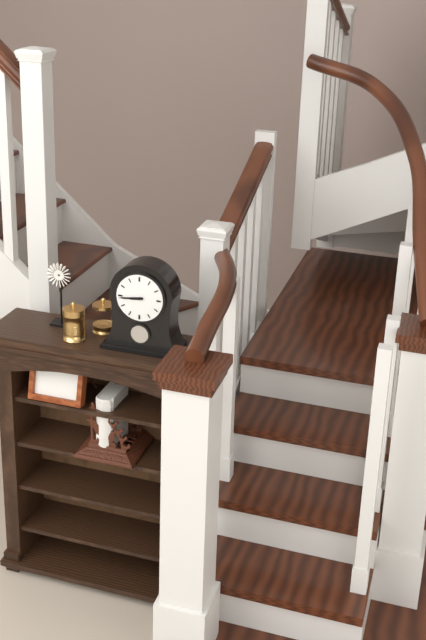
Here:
h=8 m=44
